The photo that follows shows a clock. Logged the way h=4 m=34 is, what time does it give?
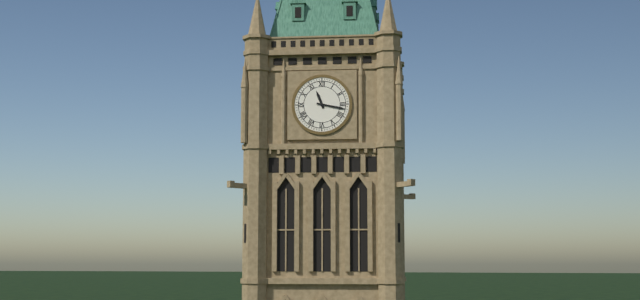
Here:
h=11 m=17
